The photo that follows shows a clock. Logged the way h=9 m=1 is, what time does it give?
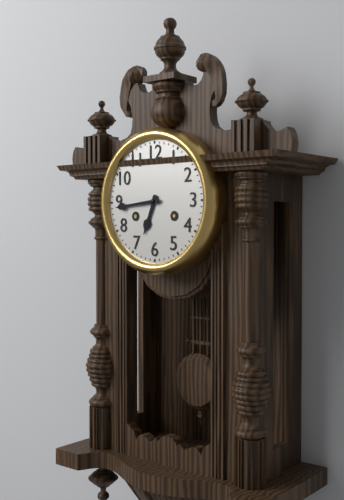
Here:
h=6 m=44
